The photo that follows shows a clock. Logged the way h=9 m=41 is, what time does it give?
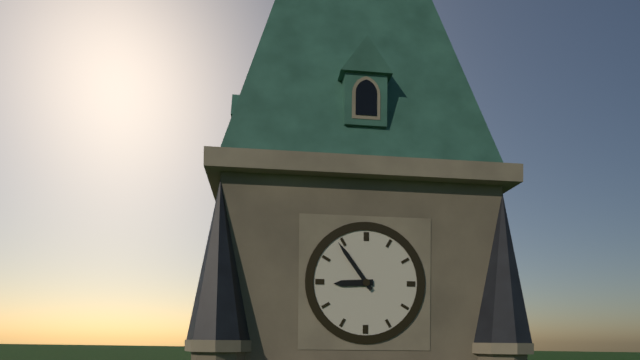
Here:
h=8 m=54
